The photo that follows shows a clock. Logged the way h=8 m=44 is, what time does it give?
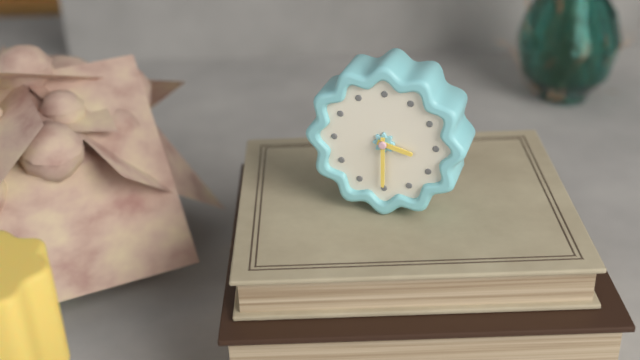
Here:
h=3 m=30
